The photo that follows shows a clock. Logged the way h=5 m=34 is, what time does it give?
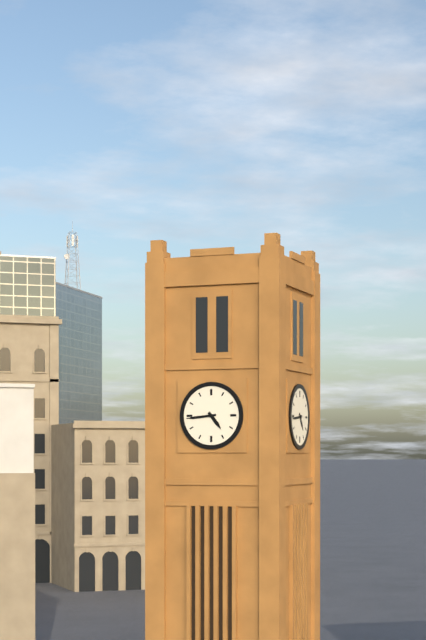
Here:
h=4 m=44
